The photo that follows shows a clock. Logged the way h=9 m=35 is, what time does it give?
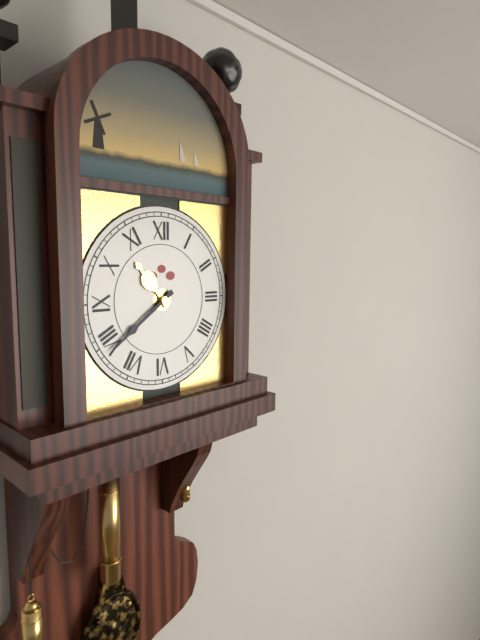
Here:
h=10 m=39
